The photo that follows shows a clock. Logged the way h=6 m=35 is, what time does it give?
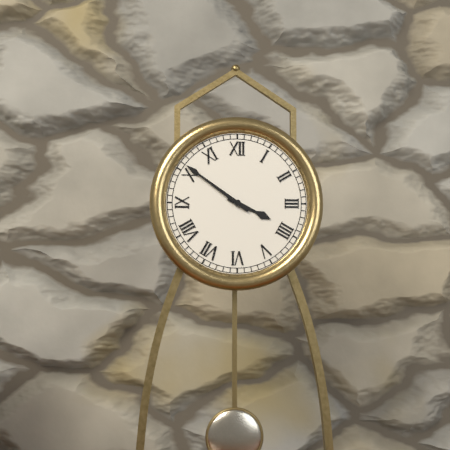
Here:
h=3 m=51
